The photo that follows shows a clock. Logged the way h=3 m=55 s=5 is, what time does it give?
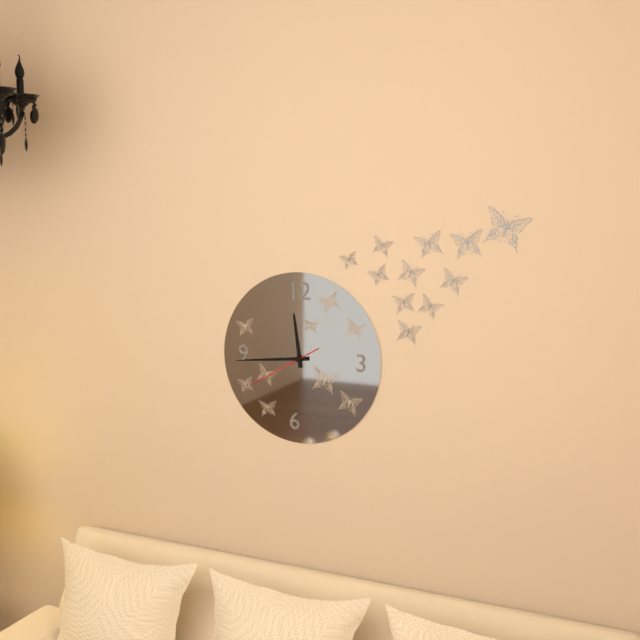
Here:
h=11 m=44 s=40
